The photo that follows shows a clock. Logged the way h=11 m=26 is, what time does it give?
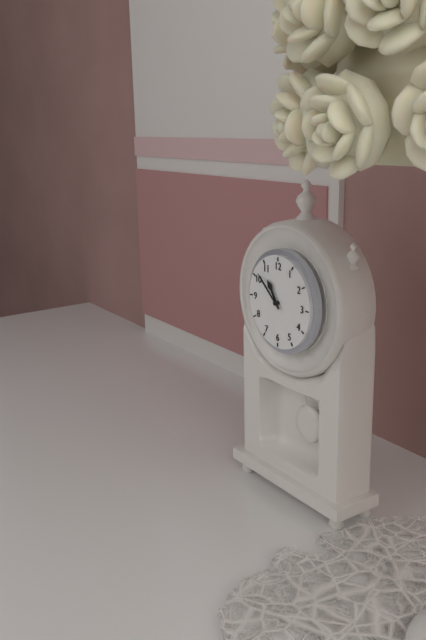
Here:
h=10 m=52
